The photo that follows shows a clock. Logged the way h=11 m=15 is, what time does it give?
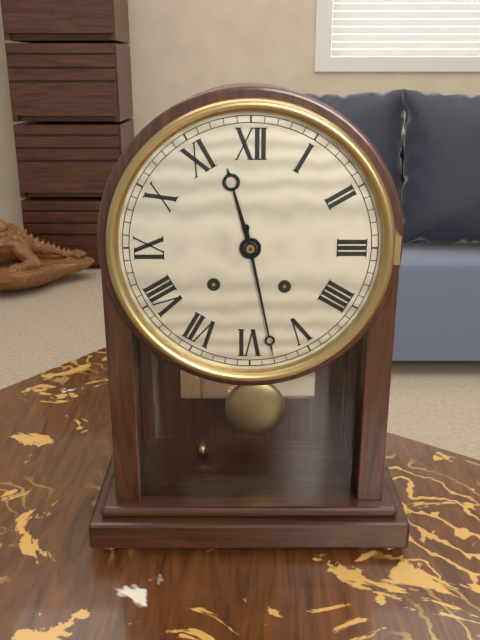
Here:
h=11 m=28
